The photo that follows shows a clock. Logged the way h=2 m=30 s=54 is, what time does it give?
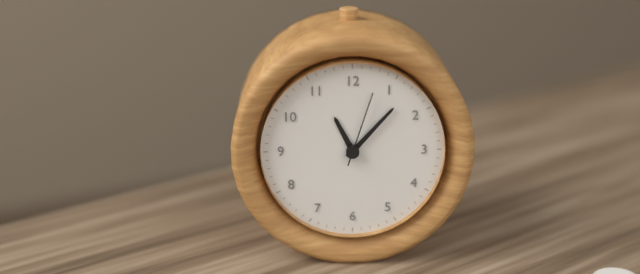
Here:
h=11 m=7 s=3
